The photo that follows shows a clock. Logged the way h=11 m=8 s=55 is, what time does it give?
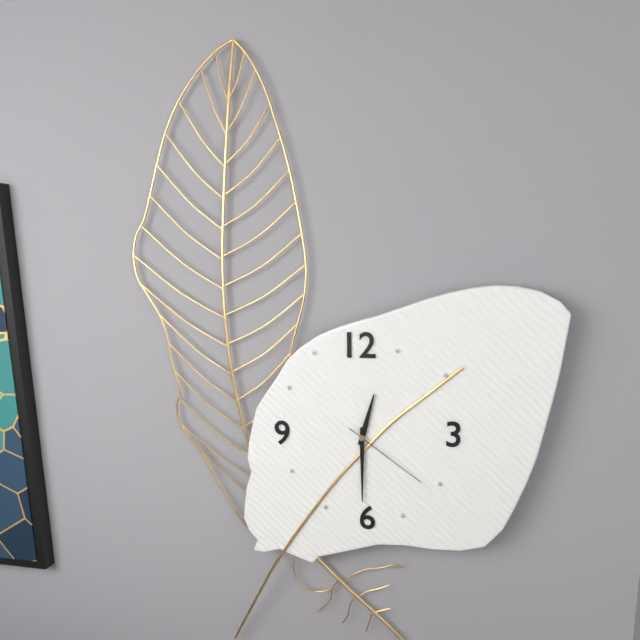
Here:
h=12 m=30 s=21
